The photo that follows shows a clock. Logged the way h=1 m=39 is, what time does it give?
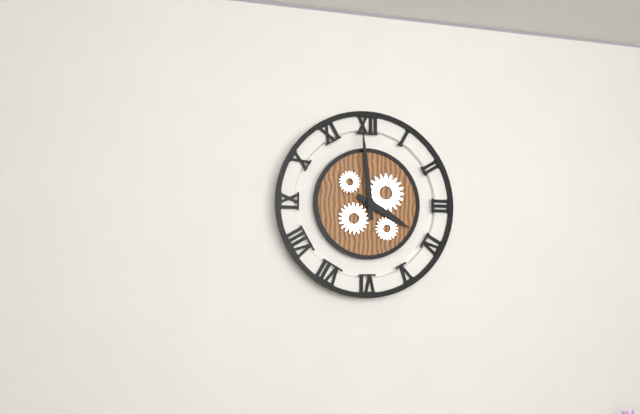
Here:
h=3 m=59
